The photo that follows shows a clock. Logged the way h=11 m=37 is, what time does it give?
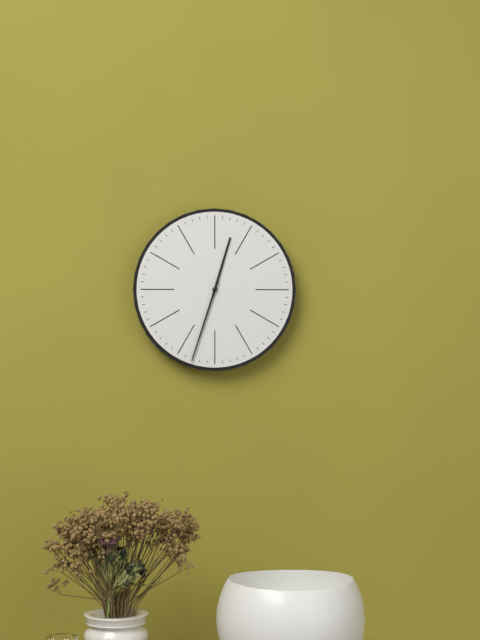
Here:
h=12 m=33
